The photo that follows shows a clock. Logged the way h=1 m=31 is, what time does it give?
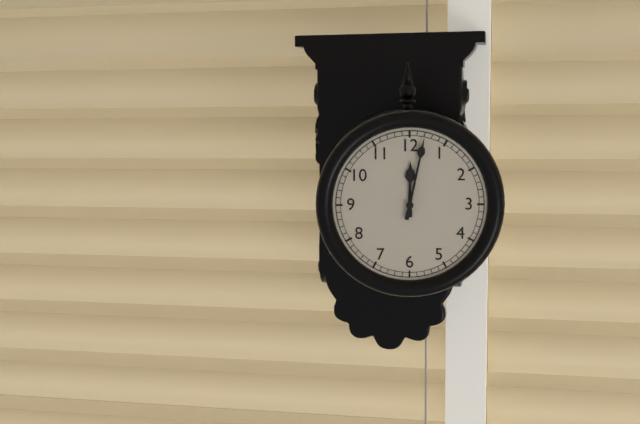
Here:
h=12 m=2
